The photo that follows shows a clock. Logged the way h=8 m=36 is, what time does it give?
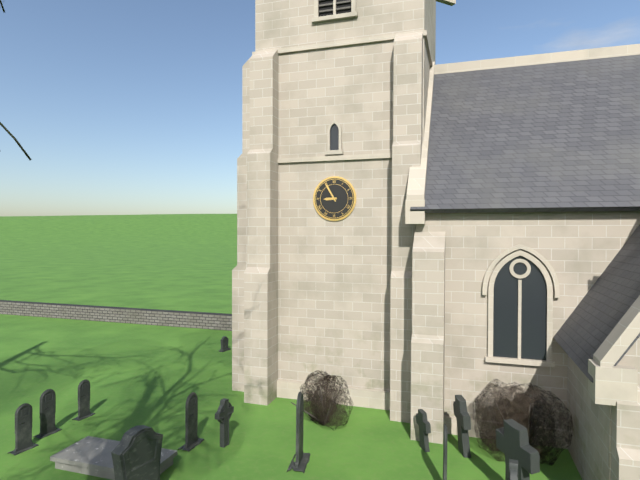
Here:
h=8 m=55
